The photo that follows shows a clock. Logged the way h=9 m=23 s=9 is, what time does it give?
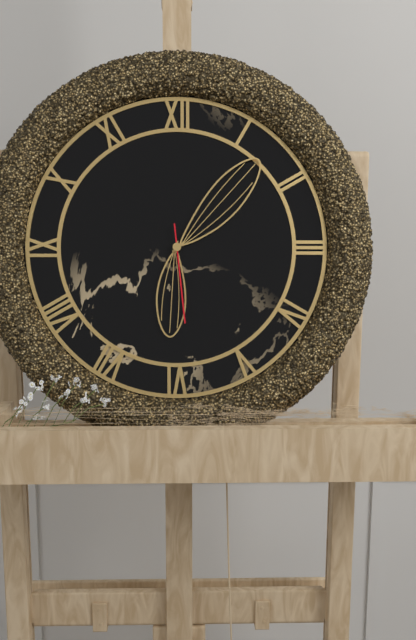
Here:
h=6 m=7 s=29
